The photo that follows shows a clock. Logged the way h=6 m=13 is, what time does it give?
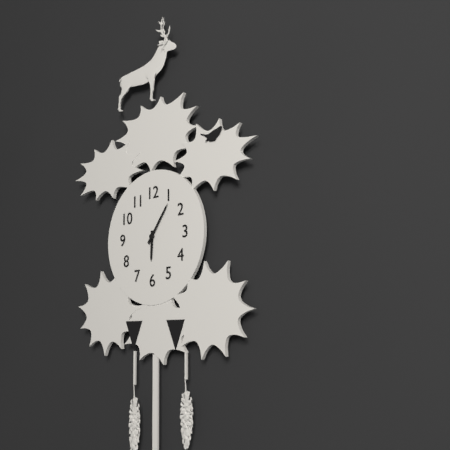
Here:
h=6 m=6
